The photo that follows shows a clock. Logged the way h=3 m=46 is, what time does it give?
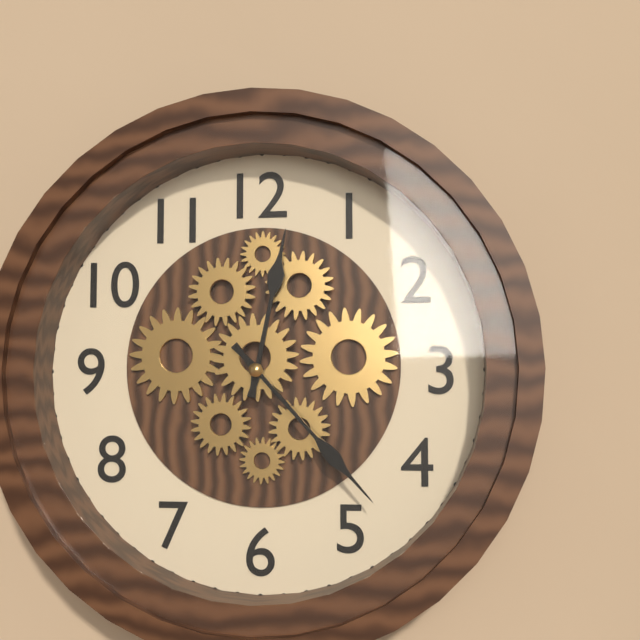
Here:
h=12 m=23
